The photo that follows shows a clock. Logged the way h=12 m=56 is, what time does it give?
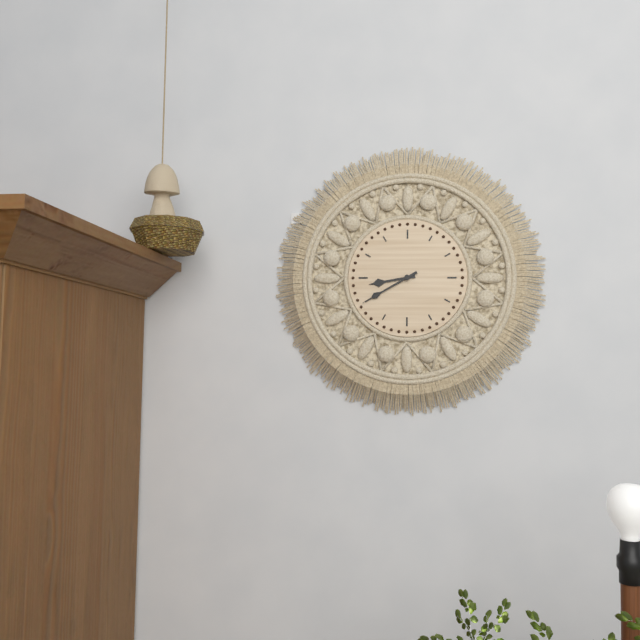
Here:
h=8 m=40
